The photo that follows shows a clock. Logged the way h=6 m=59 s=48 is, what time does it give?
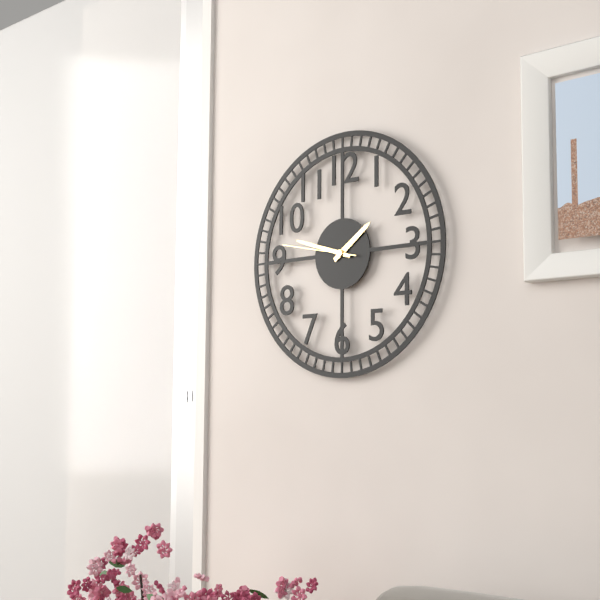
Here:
h=1 m=48 s=47
